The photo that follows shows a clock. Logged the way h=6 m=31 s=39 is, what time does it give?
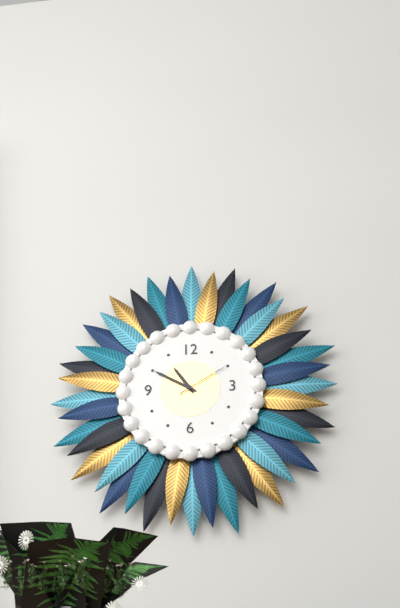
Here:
h=10 m=50 s=10
